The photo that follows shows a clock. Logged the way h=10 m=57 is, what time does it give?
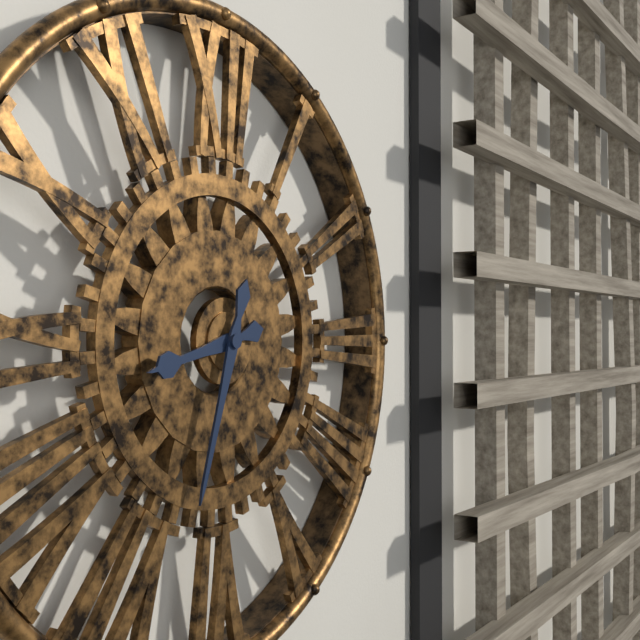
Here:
h=8 m=33
